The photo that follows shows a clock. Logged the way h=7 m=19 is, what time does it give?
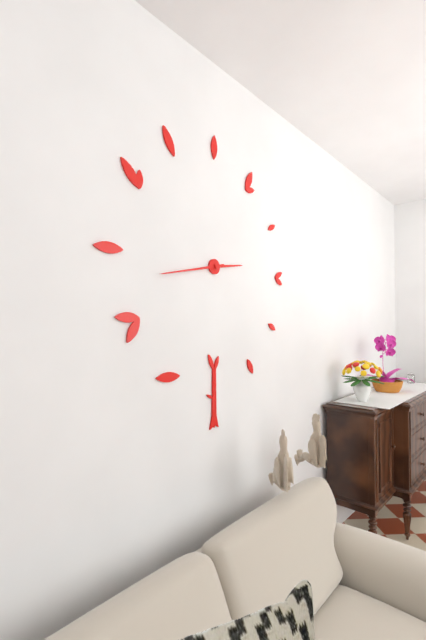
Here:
h=2 m=43
